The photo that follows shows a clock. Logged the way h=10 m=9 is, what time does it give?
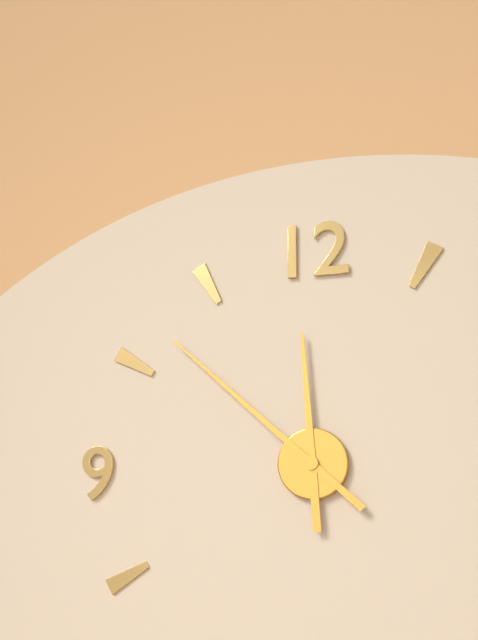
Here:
h=11 m=52
